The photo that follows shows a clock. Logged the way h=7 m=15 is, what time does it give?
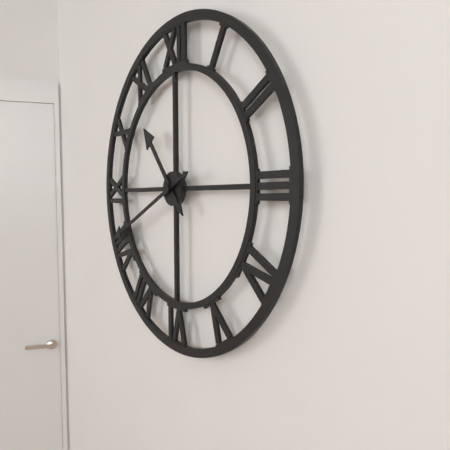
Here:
h=10 m=41
